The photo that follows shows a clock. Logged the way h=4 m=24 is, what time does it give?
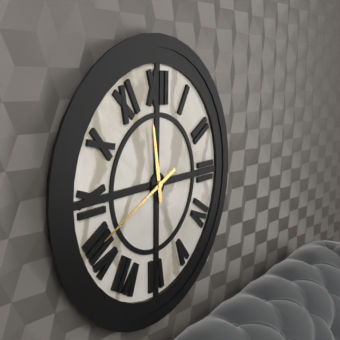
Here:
h=11 m=41
